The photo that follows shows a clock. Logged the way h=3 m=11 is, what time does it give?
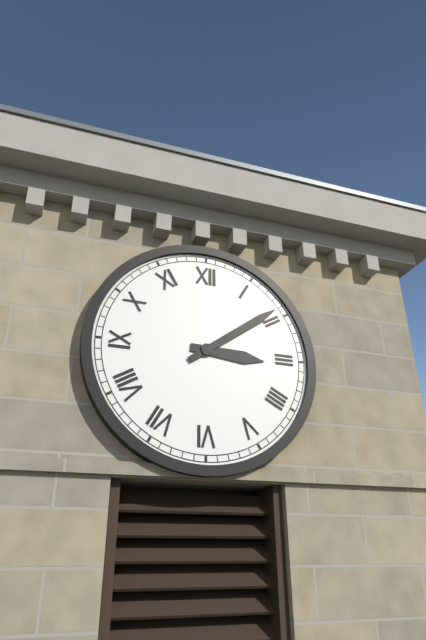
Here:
h=3 m=9
